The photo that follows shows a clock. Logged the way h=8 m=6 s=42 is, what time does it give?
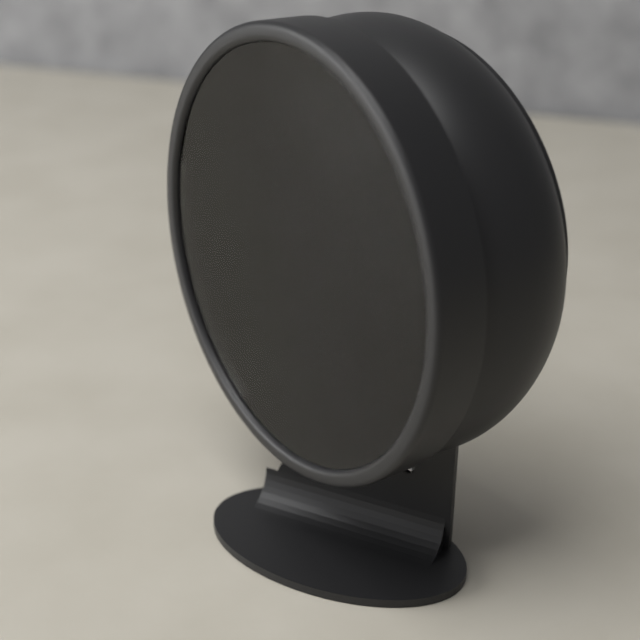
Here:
h=4 m=4 s=31
